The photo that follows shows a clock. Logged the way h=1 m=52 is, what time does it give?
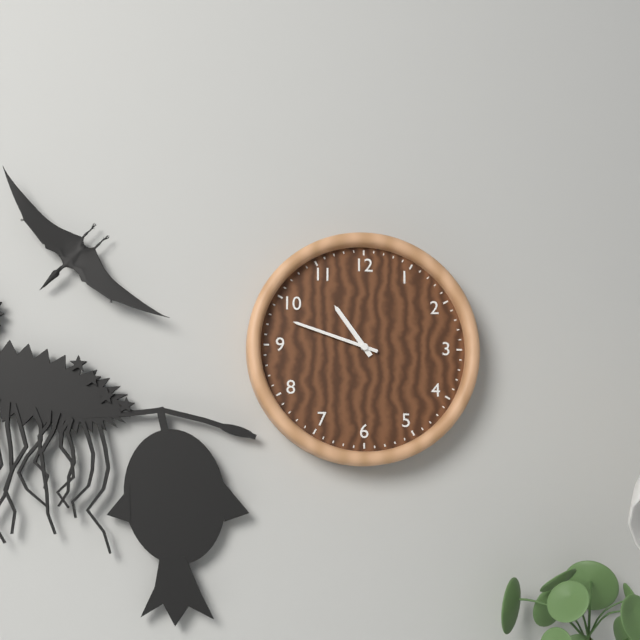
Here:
h=10 m=48
